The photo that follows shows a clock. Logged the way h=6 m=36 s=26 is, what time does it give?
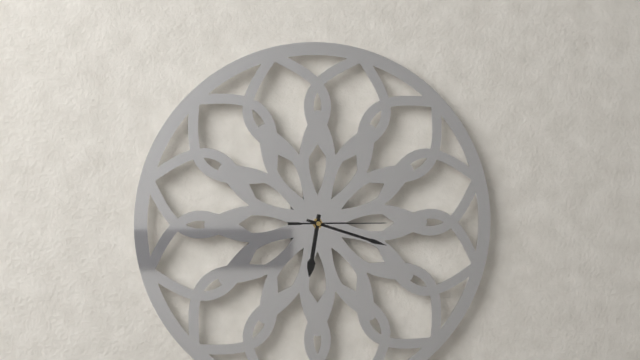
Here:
h=6 m=18 s=15
